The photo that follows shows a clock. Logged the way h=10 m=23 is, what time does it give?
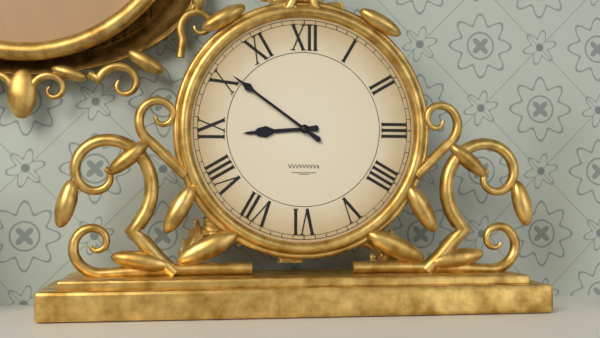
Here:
h=8 m=51
